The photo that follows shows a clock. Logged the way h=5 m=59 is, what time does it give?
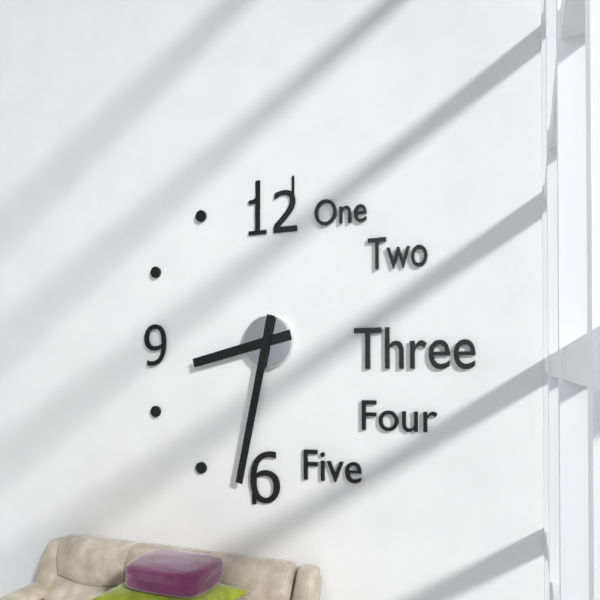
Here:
h=8 m=32
